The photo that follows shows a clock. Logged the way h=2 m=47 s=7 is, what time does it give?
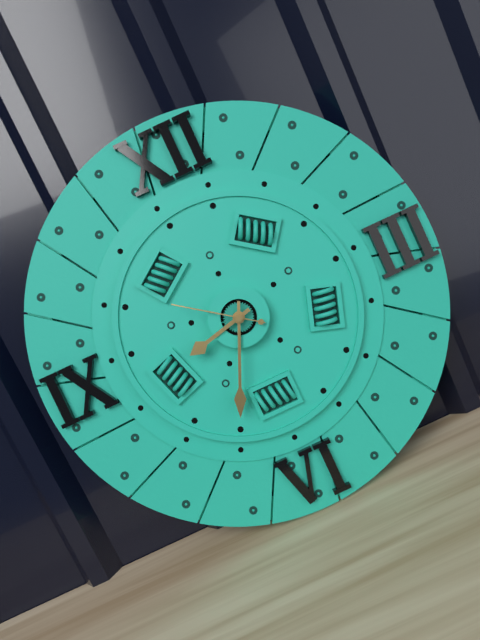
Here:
h=8 m=34 s=51
